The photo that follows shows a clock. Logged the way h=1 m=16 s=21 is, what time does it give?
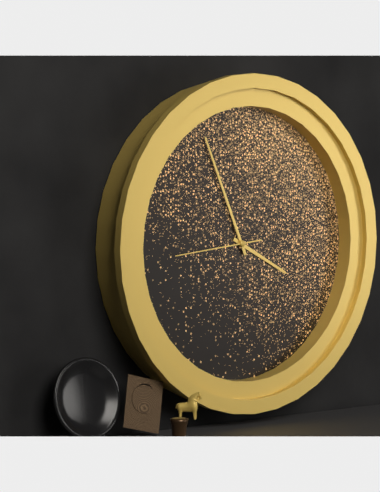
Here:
h=3 m=56 s=44
